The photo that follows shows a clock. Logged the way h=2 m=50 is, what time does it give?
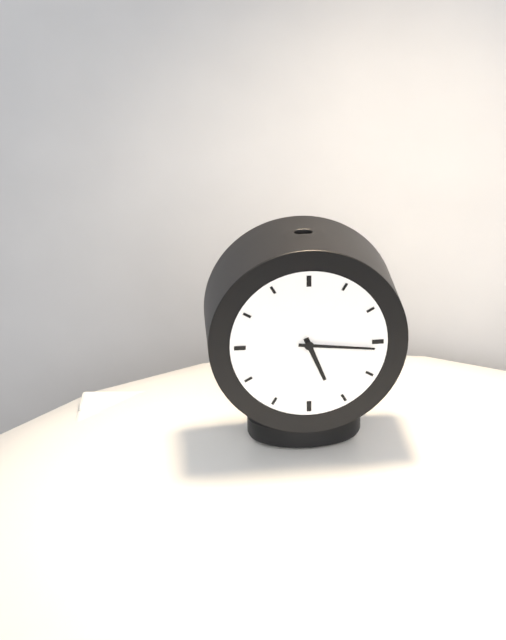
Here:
h=5 m=16
